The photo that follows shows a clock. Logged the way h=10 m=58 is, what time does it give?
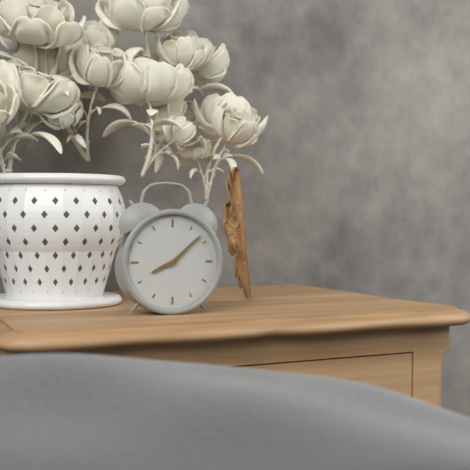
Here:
h=8 m=8
